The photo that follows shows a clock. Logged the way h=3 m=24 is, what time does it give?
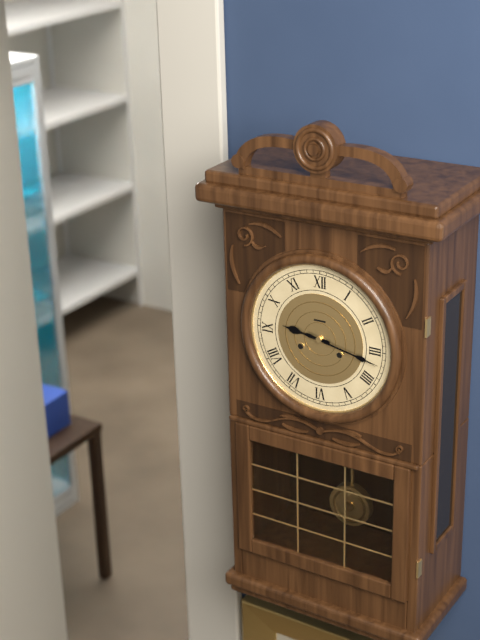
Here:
h=9 m=17
